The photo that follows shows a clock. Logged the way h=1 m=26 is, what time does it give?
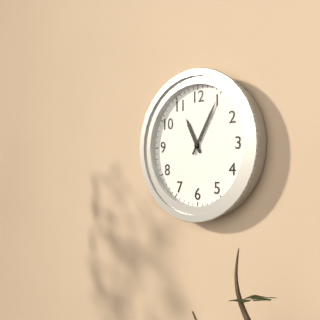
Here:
h=11 m=5
